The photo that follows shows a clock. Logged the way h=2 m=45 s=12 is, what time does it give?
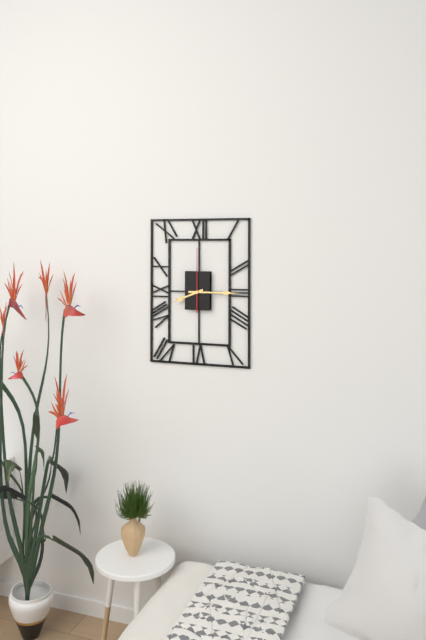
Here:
h=8 m=15 s=0
